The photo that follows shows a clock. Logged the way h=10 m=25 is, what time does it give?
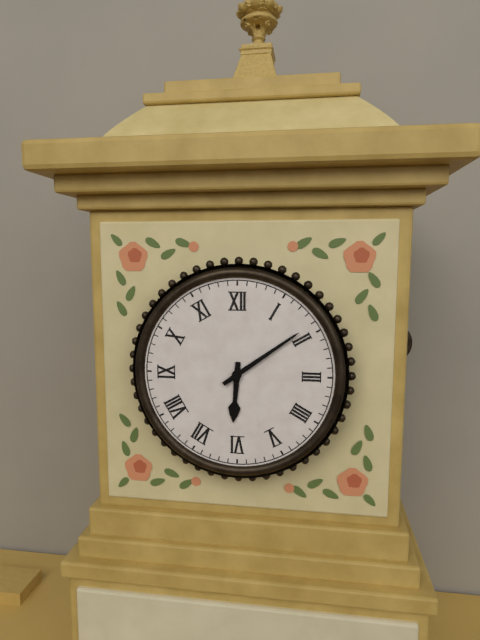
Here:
h=6 m=9
